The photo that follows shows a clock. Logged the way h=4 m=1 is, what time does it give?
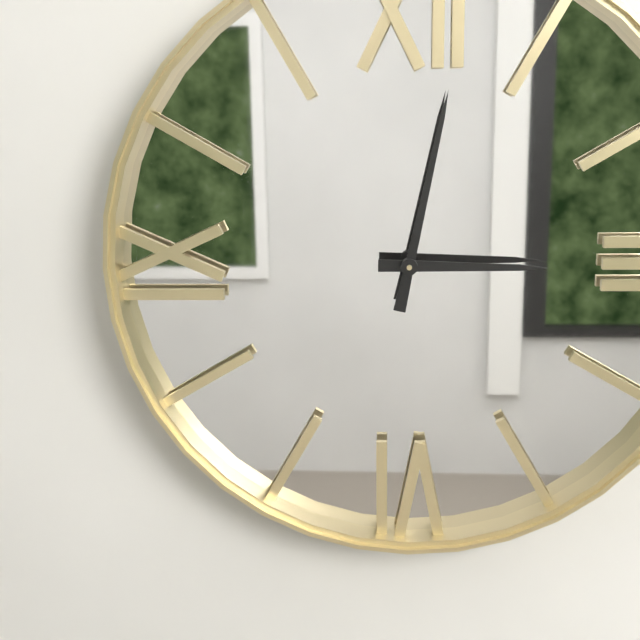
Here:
h=3 m=2
